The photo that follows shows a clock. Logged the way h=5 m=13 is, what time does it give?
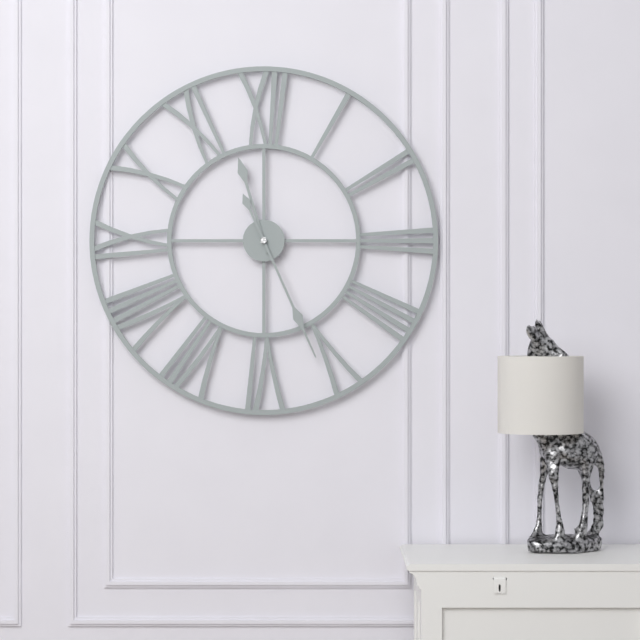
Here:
h=11 m=26
